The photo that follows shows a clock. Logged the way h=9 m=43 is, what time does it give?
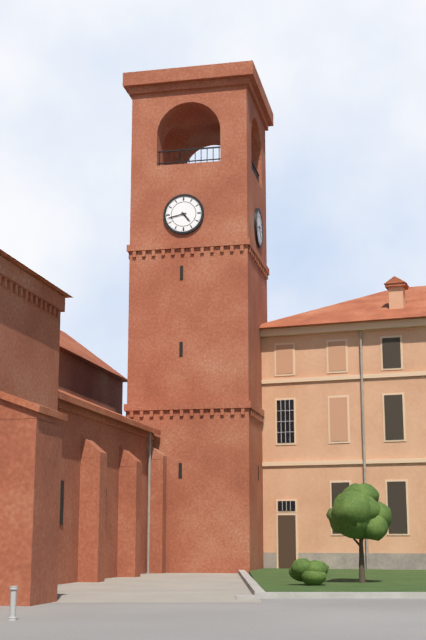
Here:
h=4 m=43
